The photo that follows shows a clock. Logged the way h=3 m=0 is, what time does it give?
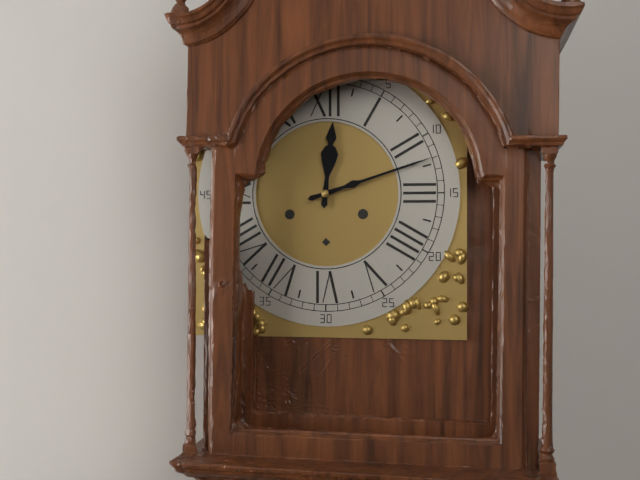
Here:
h=12 m=12
